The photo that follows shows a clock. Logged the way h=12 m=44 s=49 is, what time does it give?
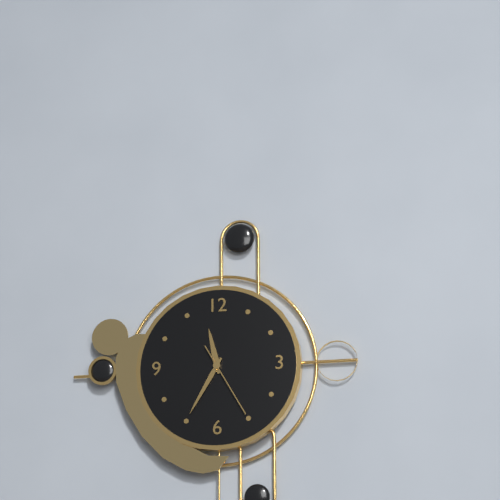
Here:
h=11 m=35 s=25
